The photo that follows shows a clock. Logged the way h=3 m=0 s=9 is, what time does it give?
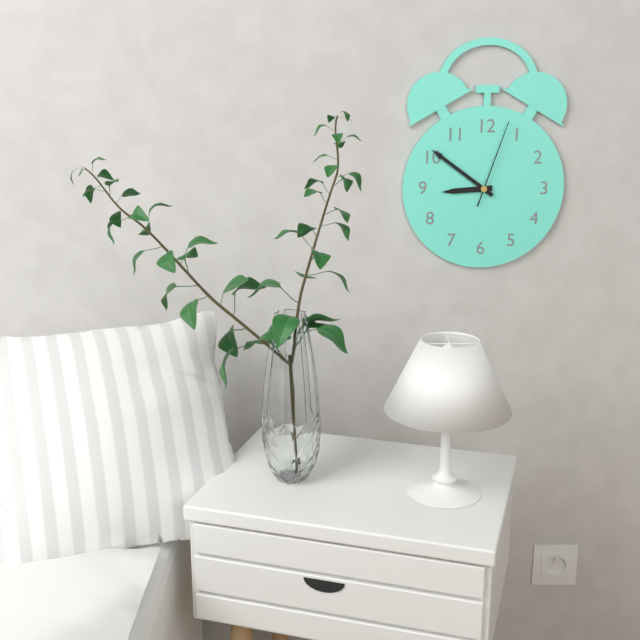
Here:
h=8 m=51 s=3
